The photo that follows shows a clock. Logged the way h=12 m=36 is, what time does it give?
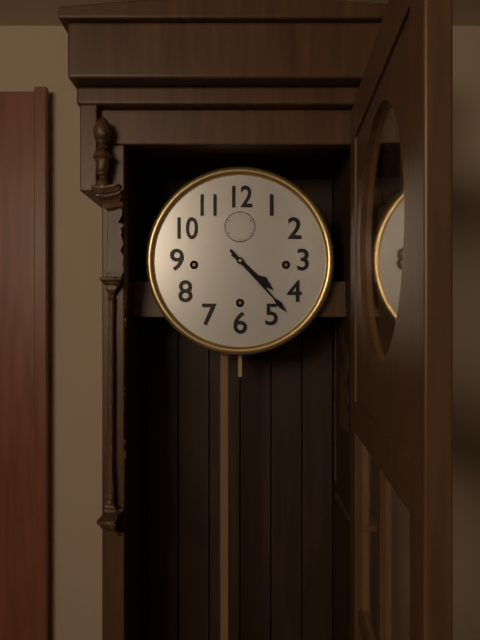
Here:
h=4 m=23
